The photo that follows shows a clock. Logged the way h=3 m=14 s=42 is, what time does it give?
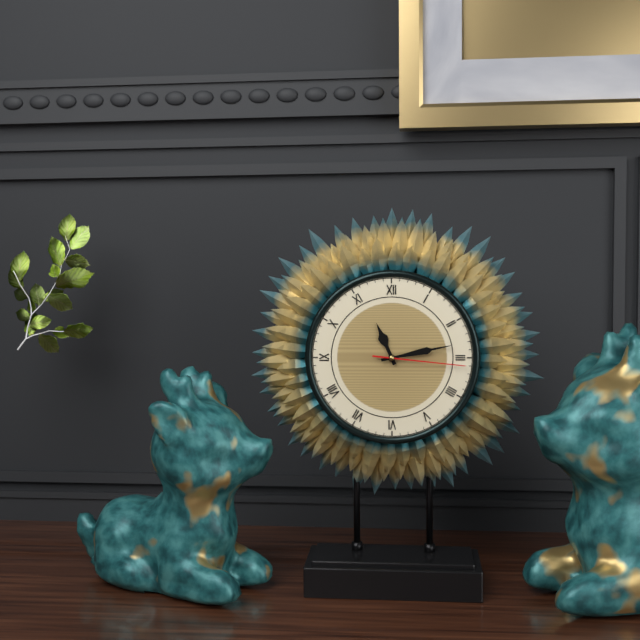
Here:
h=11 m=13 s=16
